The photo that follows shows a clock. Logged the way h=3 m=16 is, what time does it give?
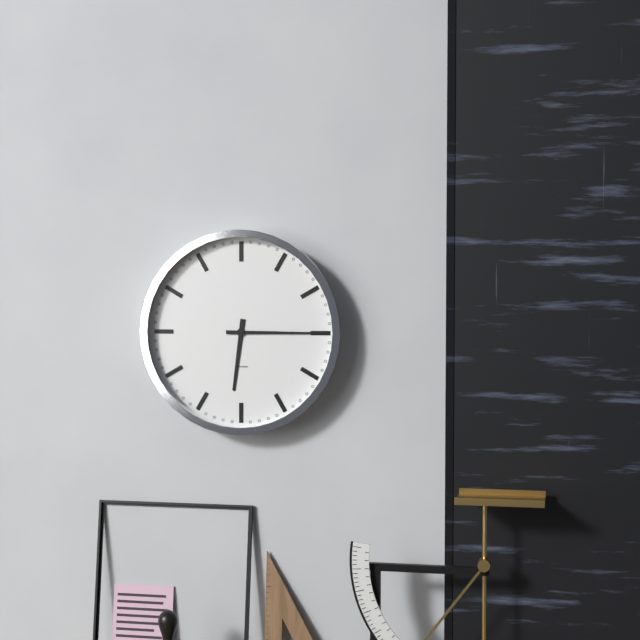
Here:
h=6 m=15
